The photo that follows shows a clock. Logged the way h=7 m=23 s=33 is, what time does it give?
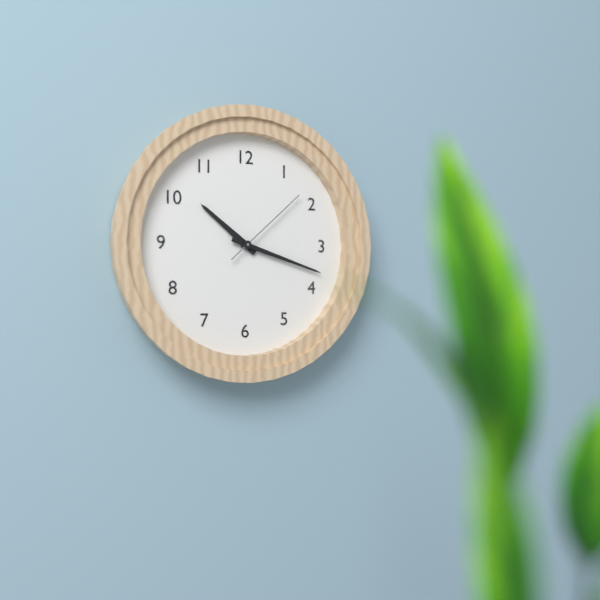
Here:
h=10 m=18 s=8
